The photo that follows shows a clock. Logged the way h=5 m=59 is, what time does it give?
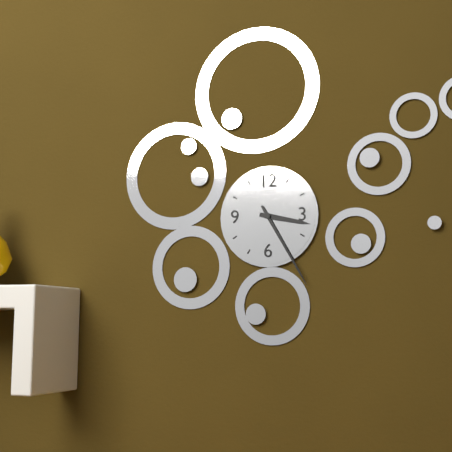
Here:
h=3 m=25
